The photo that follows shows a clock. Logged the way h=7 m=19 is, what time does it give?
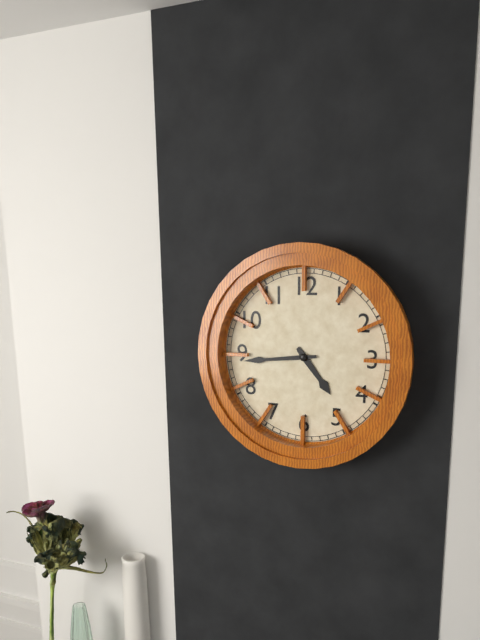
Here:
h=4 m=44
